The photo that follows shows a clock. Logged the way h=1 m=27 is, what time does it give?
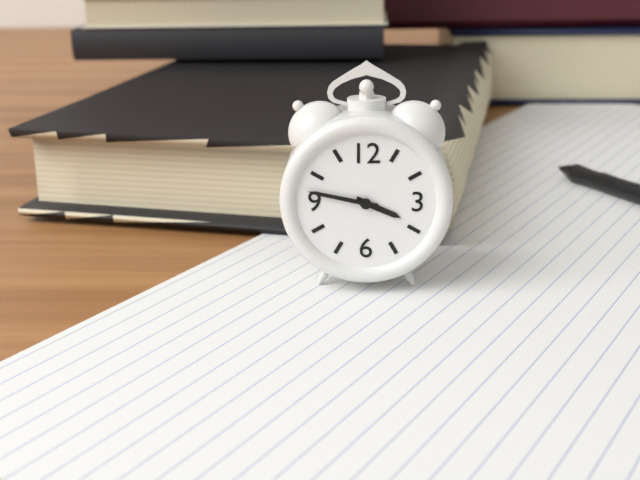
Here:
h=3 m=47
